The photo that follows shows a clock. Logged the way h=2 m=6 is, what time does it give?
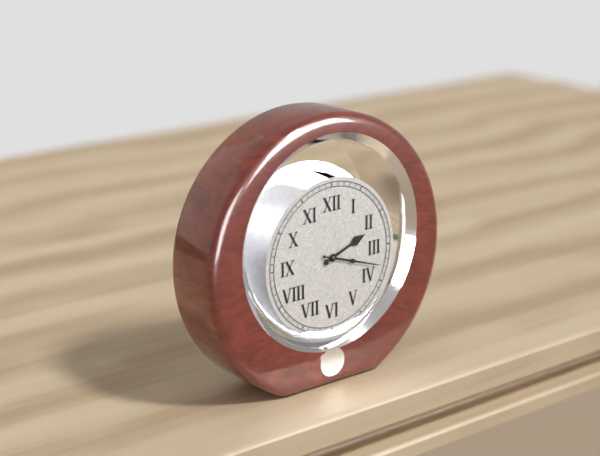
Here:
h=2 m=18
